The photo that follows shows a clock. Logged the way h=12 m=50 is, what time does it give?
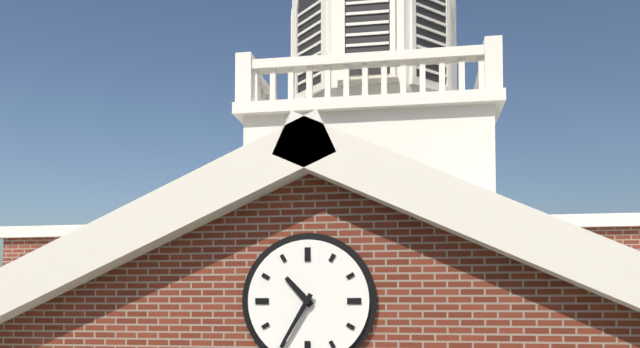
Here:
h=10 m=35
